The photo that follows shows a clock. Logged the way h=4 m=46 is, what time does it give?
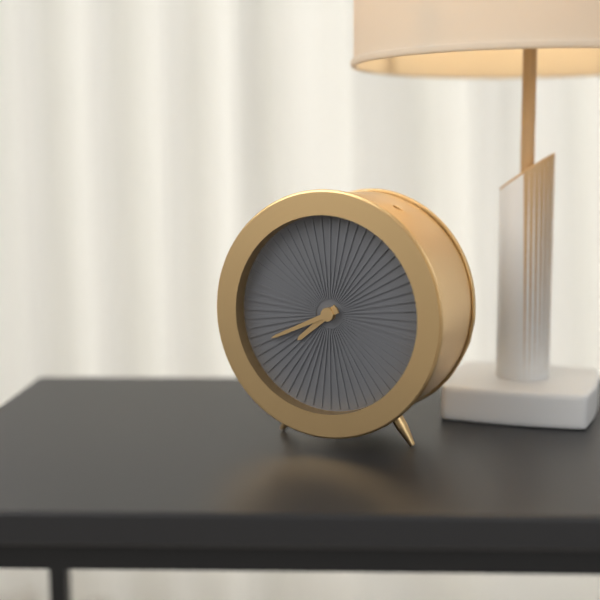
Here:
h=7 m=41
